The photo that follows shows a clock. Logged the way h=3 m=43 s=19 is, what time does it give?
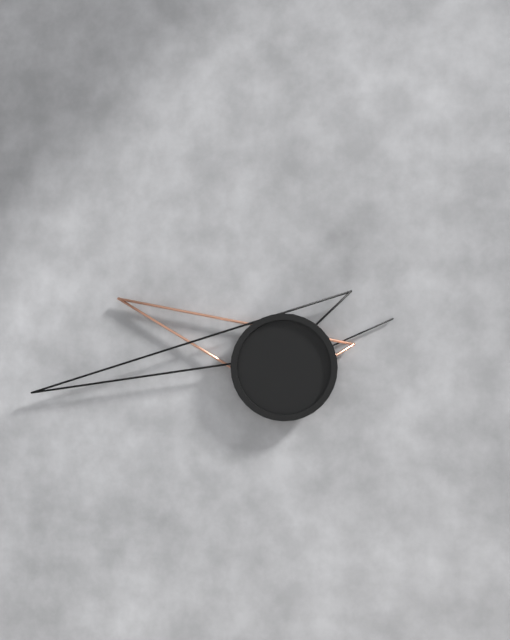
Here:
h=9 m=44 s=11
